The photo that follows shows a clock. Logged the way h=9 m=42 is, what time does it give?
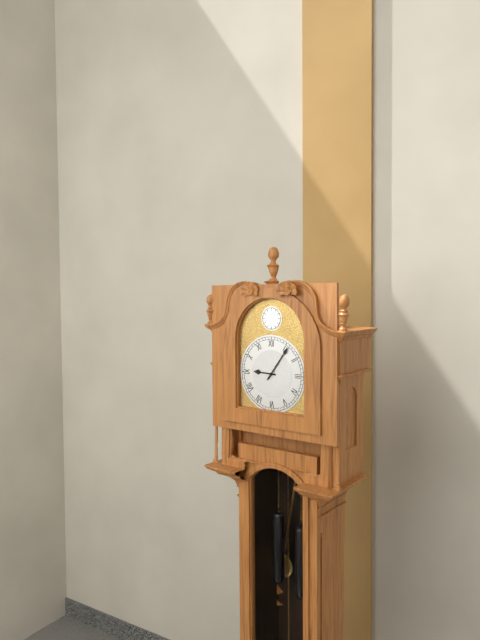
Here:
h=9 m=6
